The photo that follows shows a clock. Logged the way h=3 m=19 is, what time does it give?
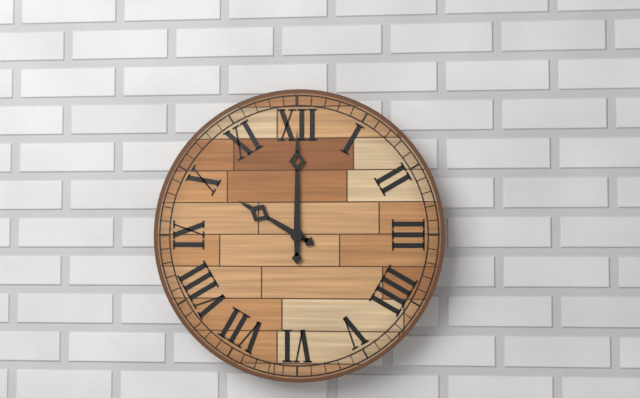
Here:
h=10 m=0
